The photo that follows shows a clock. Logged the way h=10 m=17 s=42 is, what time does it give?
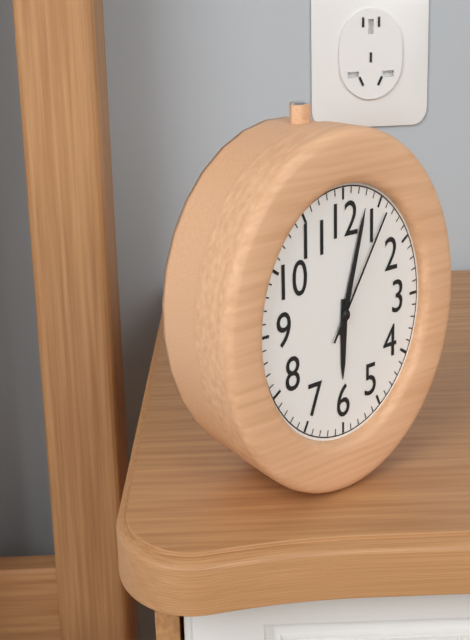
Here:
h=6 m=3 s=6
